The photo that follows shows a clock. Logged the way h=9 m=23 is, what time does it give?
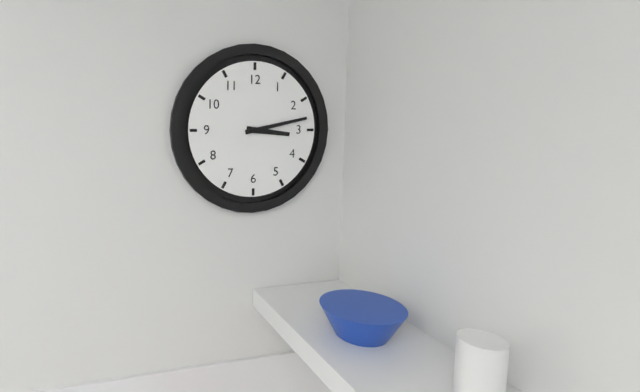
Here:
h=3 m=13
